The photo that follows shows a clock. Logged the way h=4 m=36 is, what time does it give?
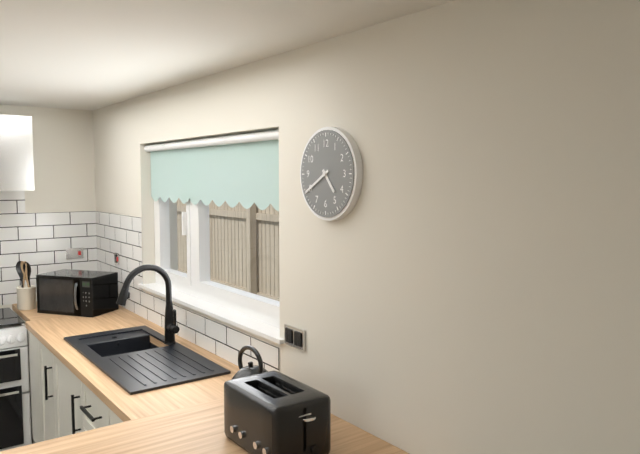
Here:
h=4 m=40
